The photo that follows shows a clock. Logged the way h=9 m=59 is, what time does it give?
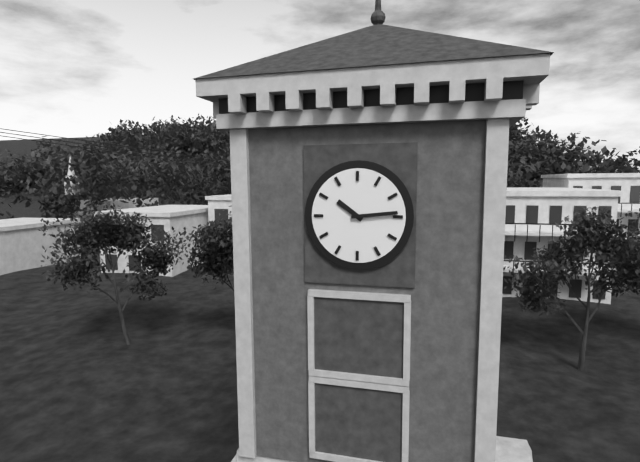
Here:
h=10 m=14
